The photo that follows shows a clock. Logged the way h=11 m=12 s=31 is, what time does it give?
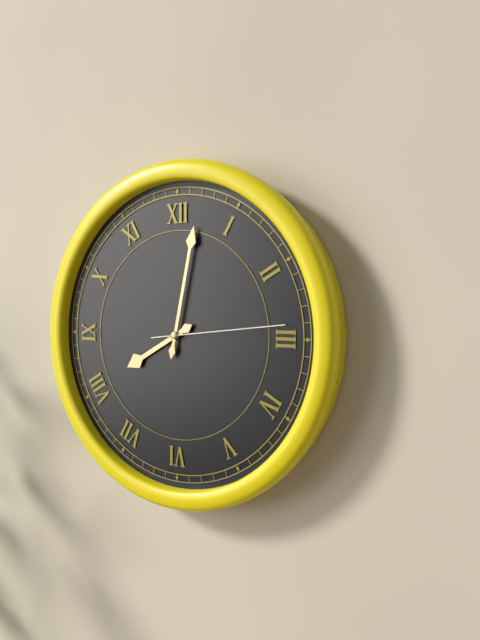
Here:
h=8 m=2 s=14
